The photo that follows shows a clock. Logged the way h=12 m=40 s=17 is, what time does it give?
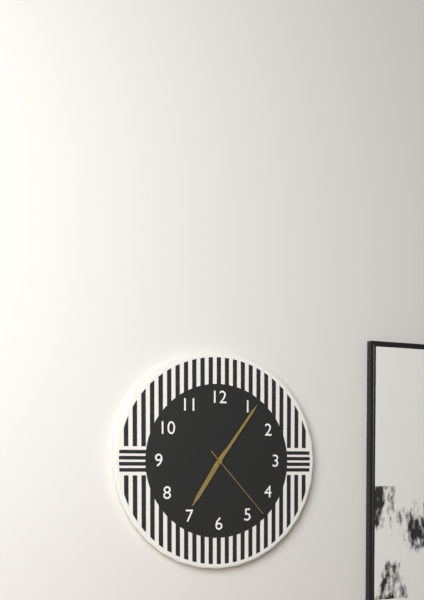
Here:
h=7 m=6 s=23
